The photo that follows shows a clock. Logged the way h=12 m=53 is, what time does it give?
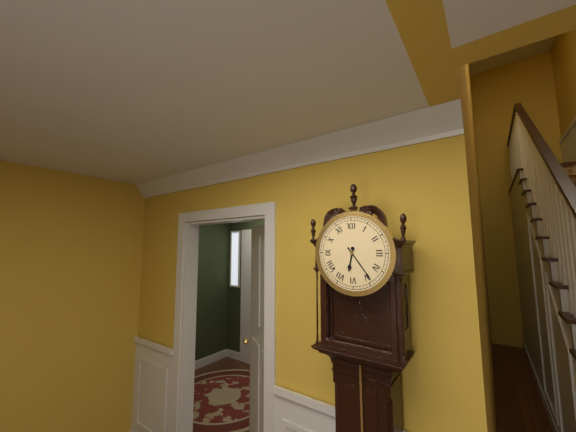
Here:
h=6 m=24
